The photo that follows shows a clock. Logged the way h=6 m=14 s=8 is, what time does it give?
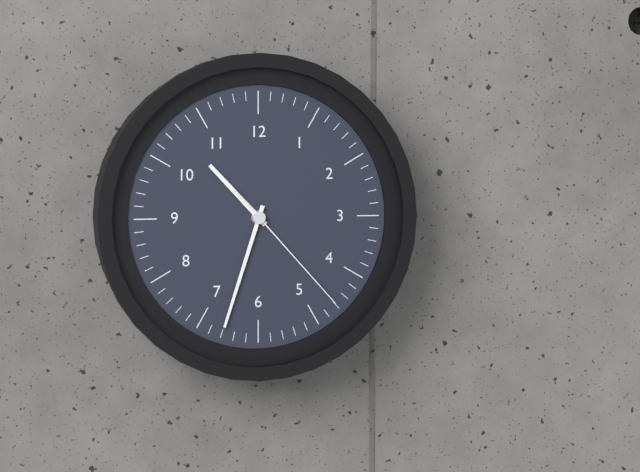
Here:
h=10 m=33 s=23
